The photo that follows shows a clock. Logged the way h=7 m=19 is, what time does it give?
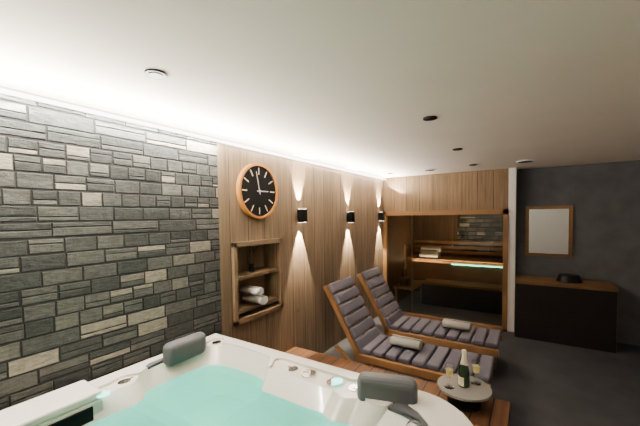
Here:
h=2 m=58
